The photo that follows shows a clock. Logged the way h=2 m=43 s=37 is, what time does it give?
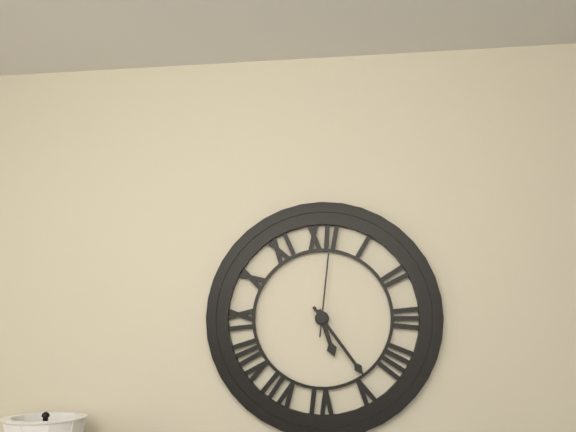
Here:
h=5 m=24 s=1
